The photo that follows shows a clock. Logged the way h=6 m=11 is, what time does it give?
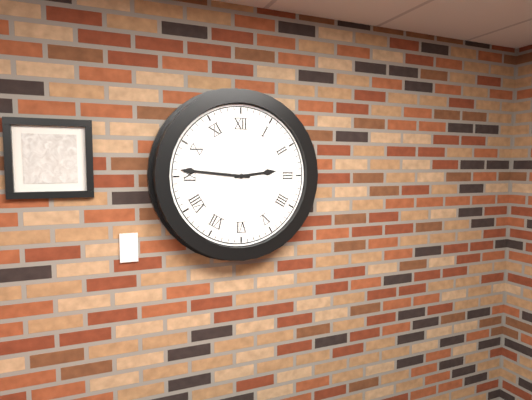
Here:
h=2 m=46
